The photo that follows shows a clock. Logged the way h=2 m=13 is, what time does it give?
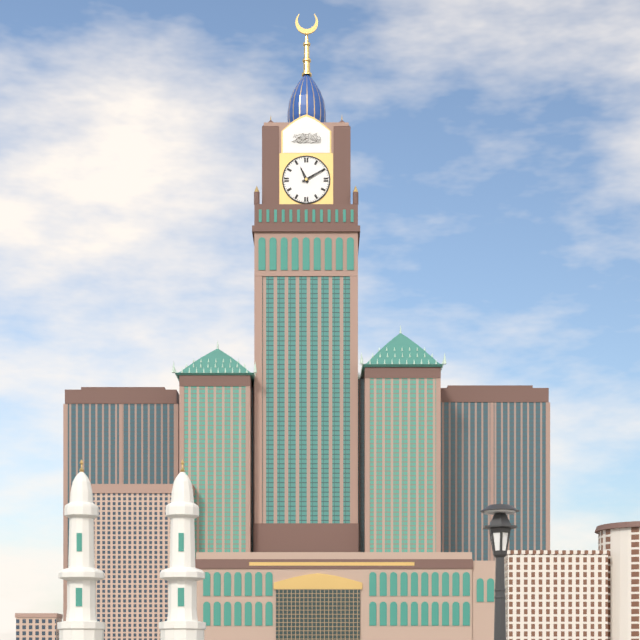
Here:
h=11 m=10
